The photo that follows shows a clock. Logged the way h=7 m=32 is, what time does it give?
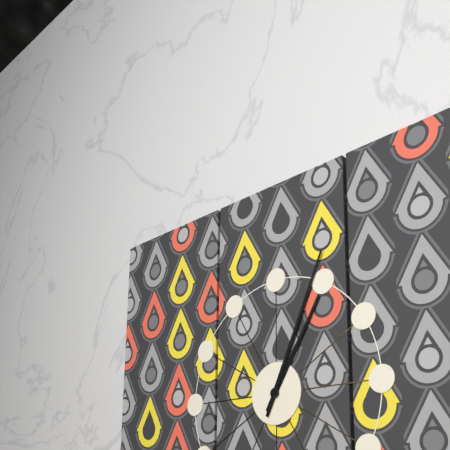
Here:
h=1 m=4
